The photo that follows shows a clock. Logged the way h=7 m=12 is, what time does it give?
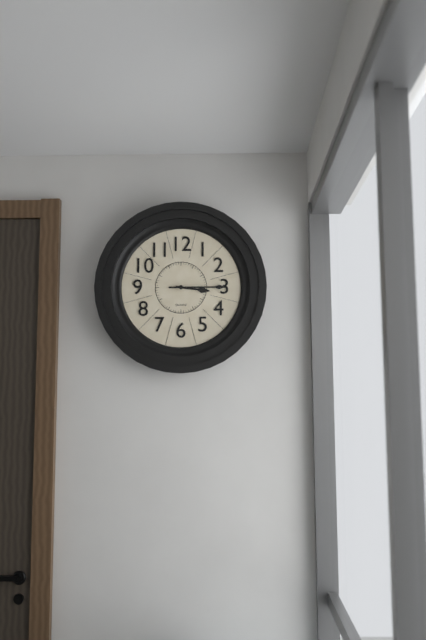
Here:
h=3 m=15
